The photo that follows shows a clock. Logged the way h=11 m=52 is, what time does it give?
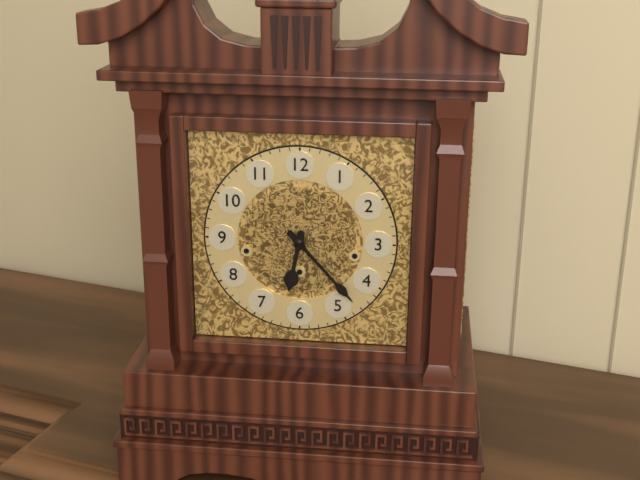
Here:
h=6 m=23
